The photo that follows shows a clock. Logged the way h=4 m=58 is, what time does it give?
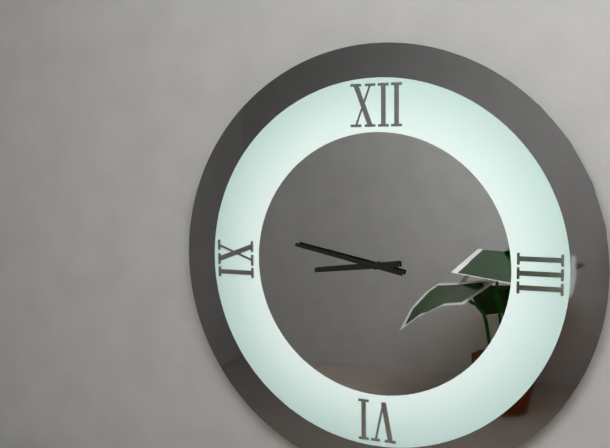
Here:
h=8 m=47
